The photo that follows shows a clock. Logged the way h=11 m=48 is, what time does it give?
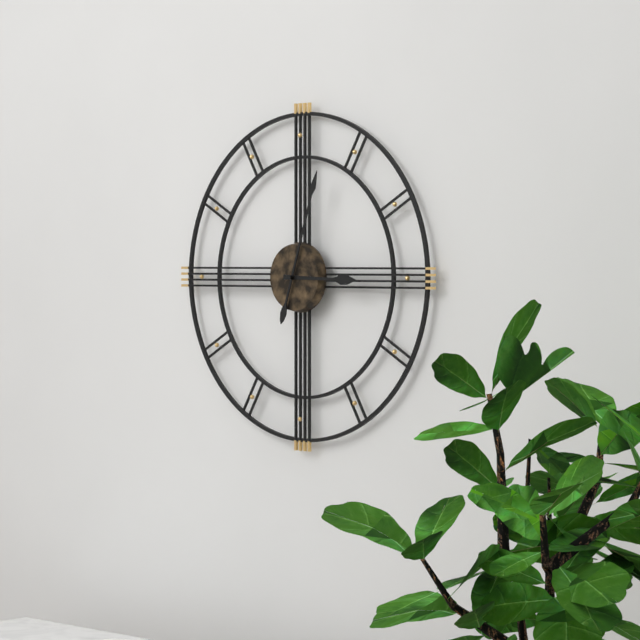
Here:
h=3 m=3
